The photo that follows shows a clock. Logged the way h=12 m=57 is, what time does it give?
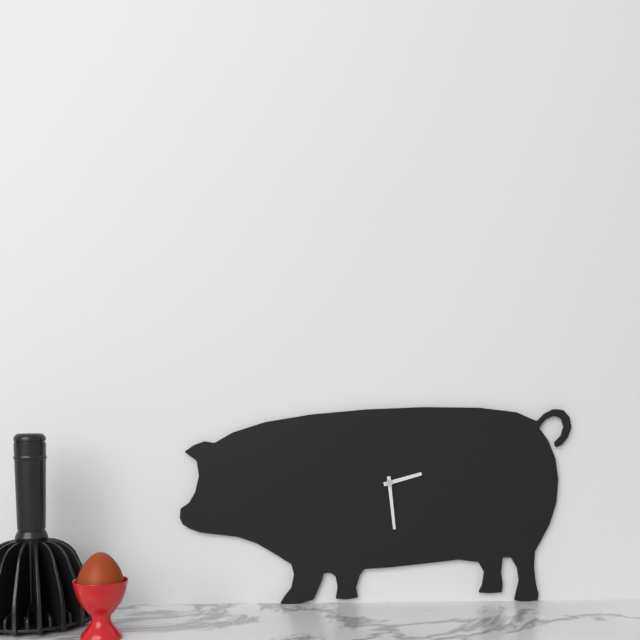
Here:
h=2 m=29
